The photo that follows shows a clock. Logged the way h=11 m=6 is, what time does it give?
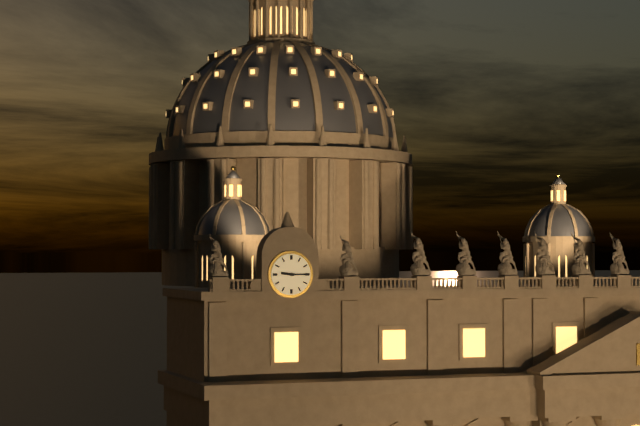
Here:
h=9 m=15
